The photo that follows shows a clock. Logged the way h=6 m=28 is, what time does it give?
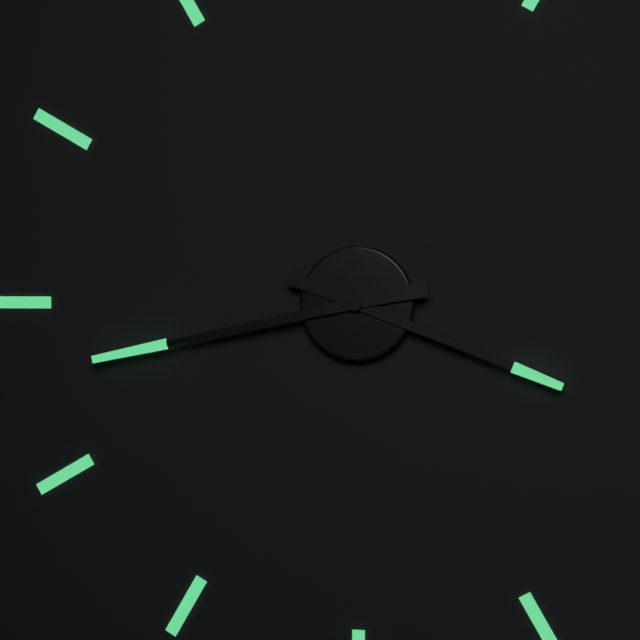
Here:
h=3 m=43
